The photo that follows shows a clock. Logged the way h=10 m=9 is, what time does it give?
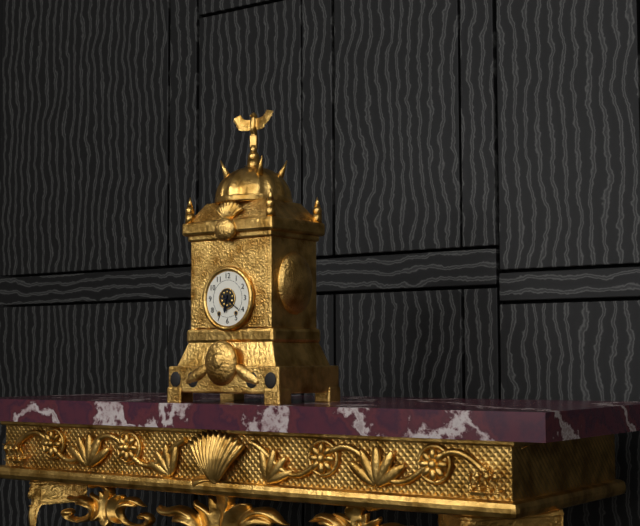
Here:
h=6 m=21
